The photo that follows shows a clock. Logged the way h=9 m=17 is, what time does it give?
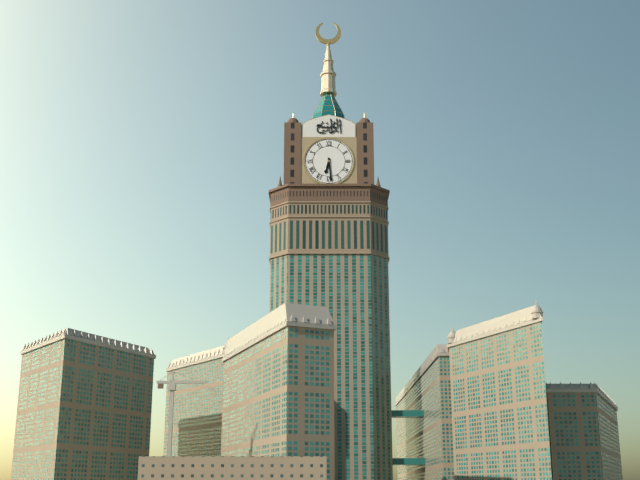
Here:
h=6 m=29
